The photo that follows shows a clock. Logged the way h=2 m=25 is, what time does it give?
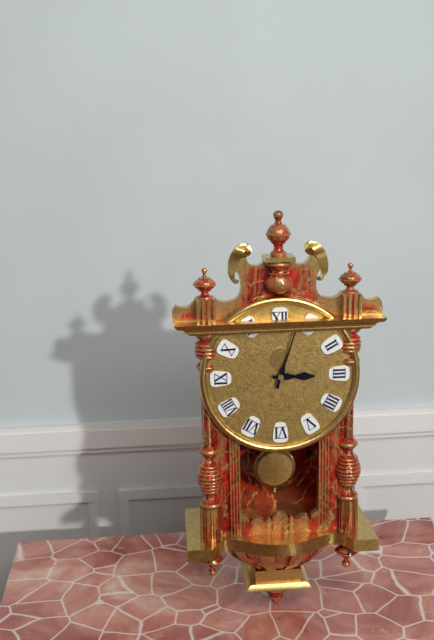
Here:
h=3 m=3
